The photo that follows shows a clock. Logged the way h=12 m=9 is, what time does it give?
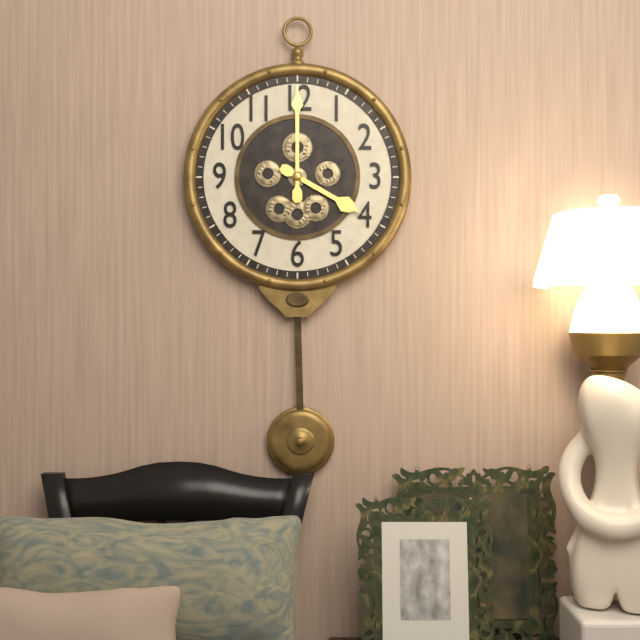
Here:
h=4 m=0
